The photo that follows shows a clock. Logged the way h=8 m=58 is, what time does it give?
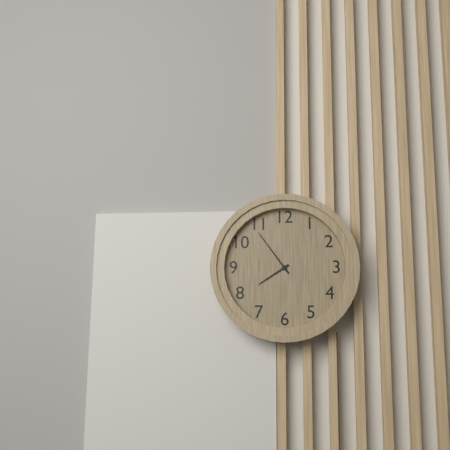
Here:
h=7 m=54
